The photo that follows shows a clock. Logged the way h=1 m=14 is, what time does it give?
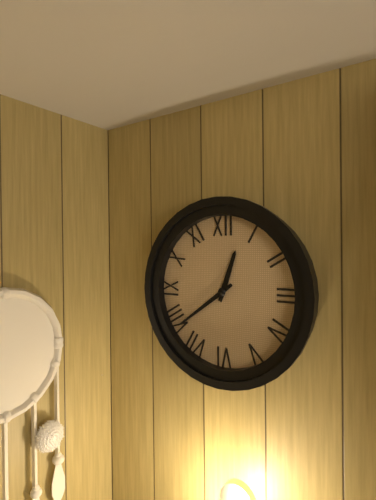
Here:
h=12 m=39
